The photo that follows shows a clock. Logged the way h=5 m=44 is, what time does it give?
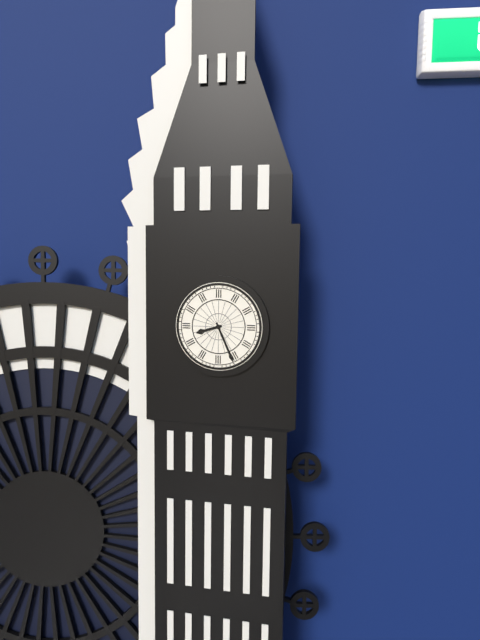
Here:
h=8 m=26
